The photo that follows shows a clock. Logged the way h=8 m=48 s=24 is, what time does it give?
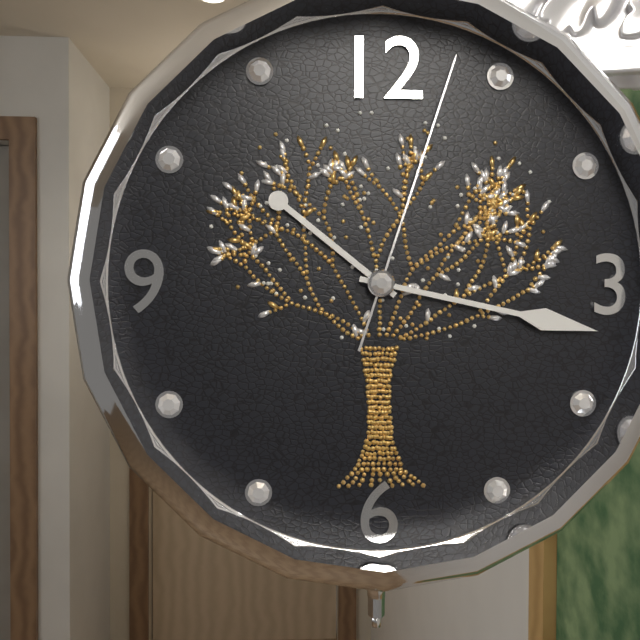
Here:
h=10 m=17 s=3
